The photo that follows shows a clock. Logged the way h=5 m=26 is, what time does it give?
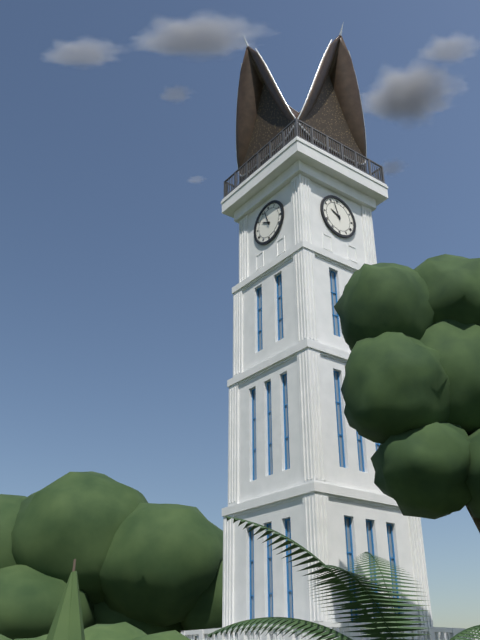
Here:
h=9 m=57
